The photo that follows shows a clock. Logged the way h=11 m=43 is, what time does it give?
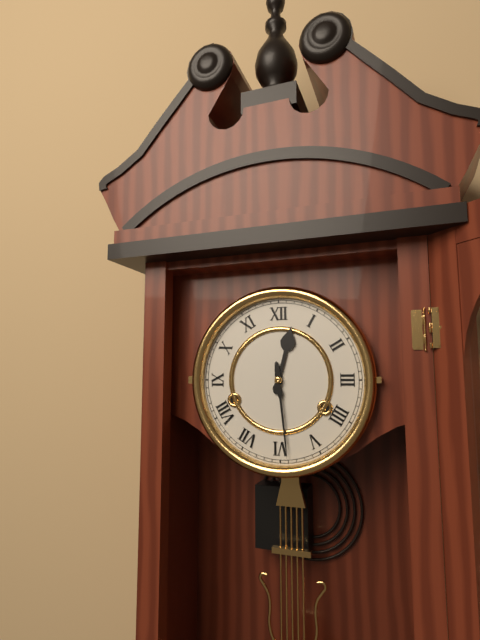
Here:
h=12 m=29
